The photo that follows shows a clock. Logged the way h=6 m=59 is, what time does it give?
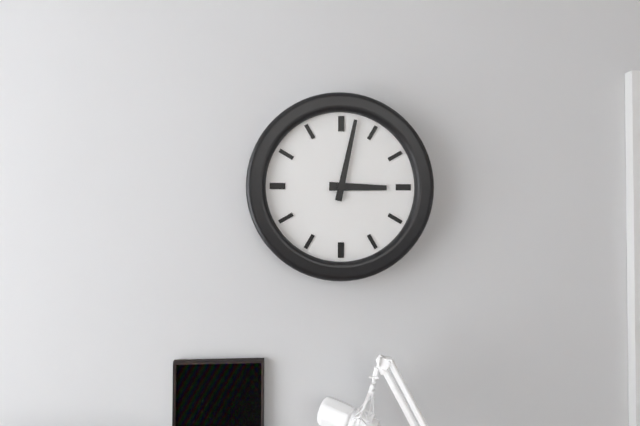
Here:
h=3 m=2
